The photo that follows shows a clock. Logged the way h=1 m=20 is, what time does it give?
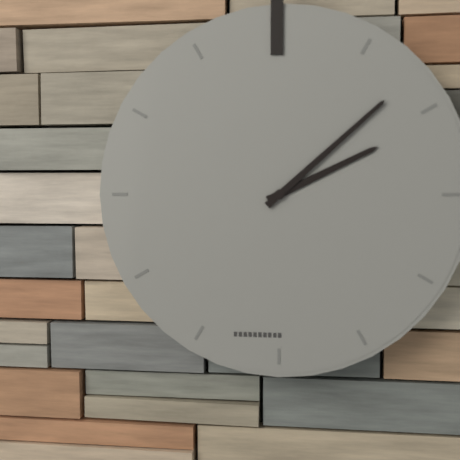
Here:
h=2 m=8
